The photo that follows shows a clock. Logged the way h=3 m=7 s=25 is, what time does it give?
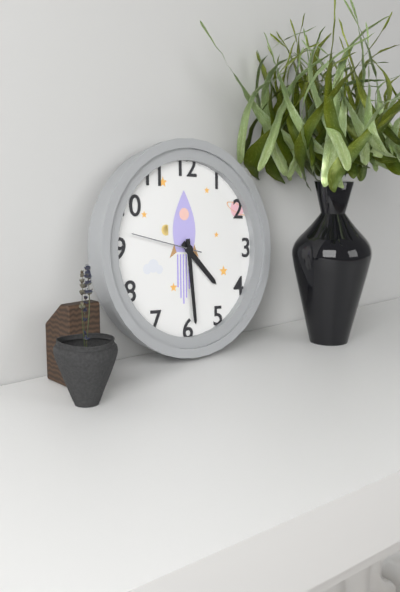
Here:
h=4 m=29 s=47
